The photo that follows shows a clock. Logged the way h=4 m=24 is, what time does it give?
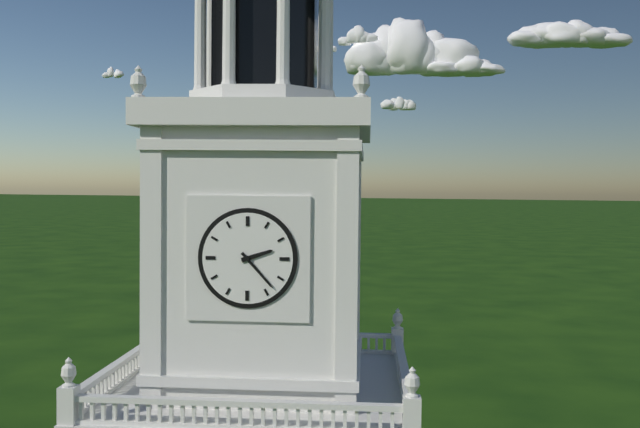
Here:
h=2 m=23
